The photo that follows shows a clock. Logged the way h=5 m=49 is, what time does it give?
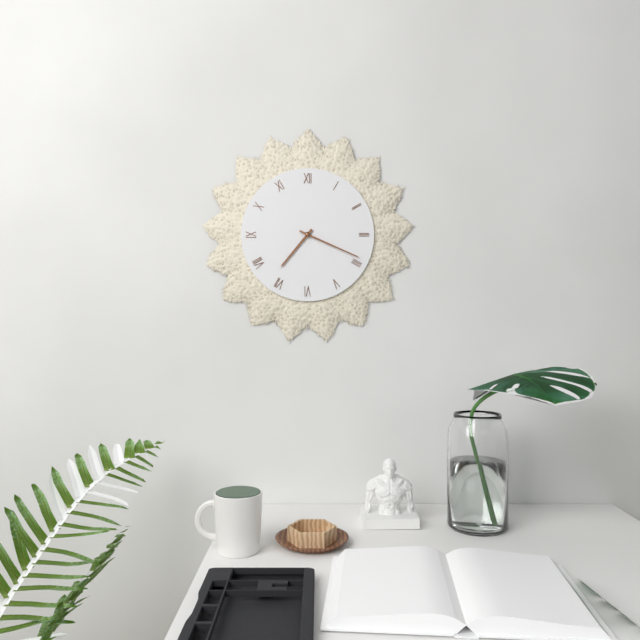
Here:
h=7 m=19
